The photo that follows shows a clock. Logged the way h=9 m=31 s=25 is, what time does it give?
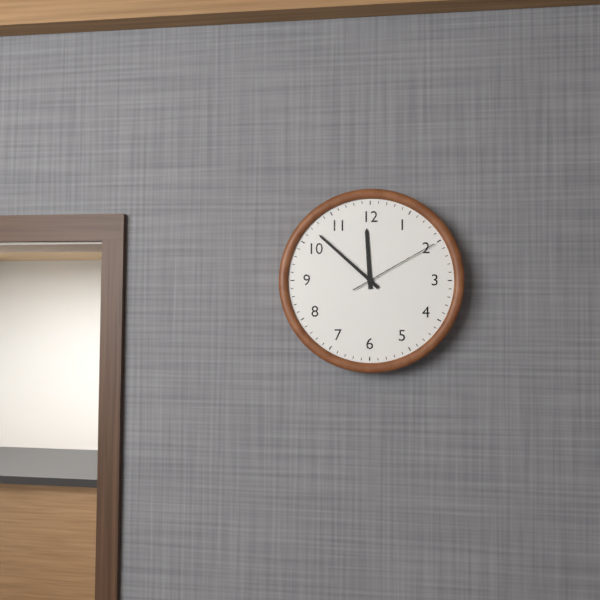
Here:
h=11 m=52 s=10
